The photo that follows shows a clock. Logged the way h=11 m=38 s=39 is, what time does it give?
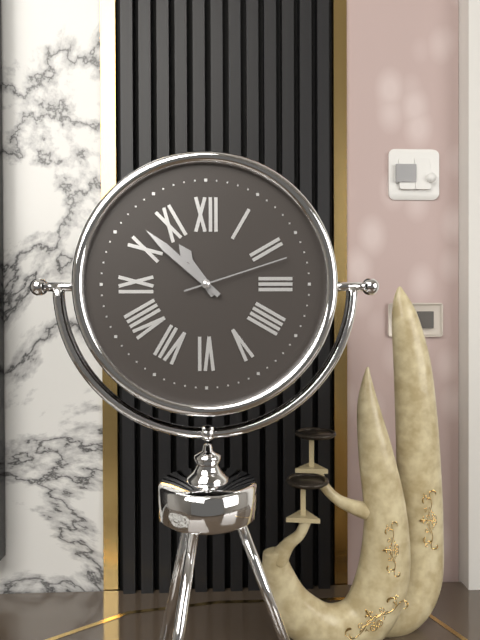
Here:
h=10 m=52 s=12
